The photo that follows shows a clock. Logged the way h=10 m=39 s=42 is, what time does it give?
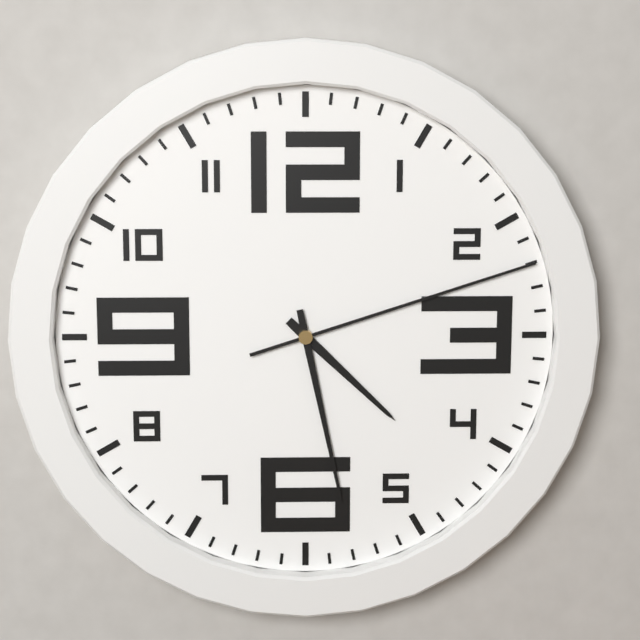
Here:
h=4 m=28 s=12
